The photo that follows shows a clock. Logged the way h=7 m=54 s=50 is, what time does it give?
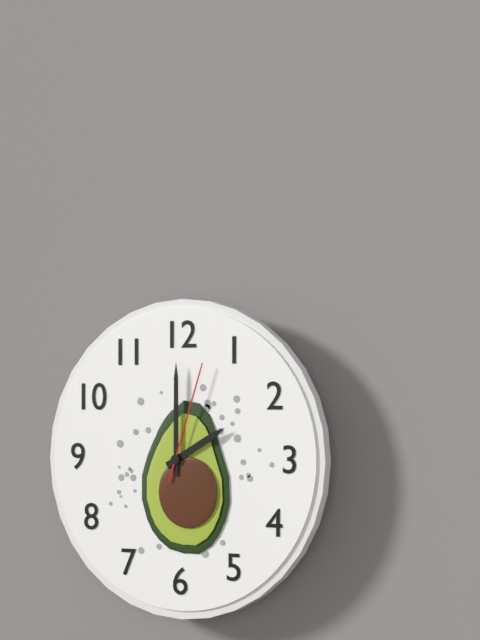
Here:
h=2 m=0 s=3
